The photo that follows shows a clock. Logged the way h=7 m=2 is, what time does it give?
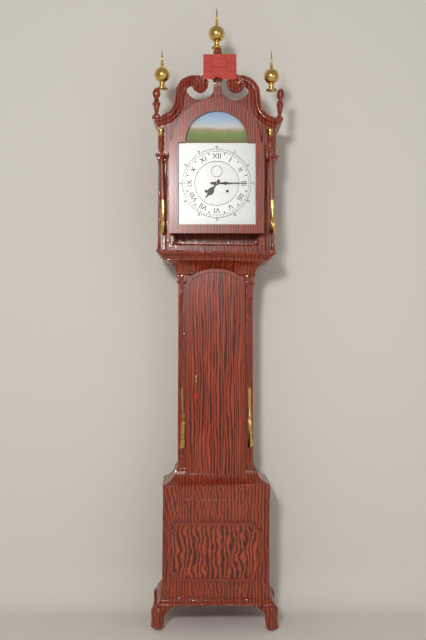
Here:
h=7 m=15
